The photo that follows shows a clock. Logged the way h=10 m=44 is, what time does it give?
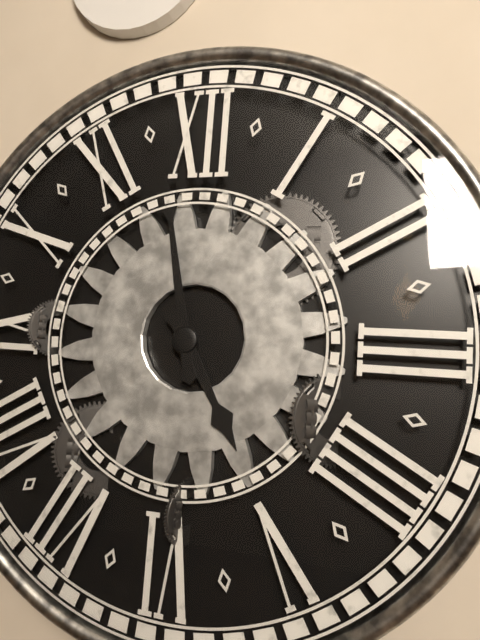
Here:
h=4 m=58
